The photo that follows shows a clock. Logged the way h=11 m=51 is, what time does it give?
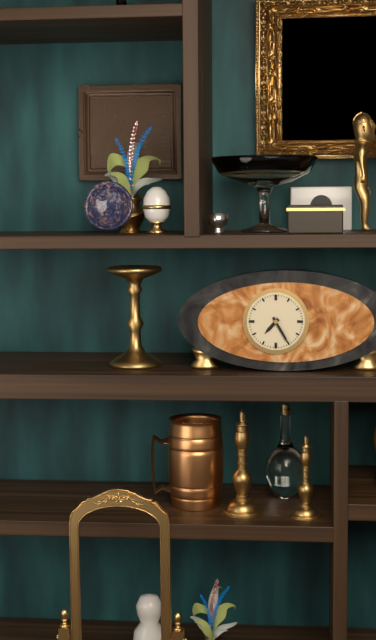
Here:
h=7 m=25
